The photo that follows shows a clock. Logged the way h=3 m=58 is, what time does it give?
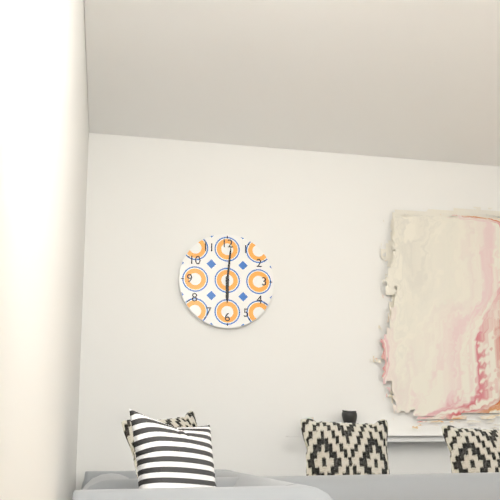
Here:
h=6 m=1
